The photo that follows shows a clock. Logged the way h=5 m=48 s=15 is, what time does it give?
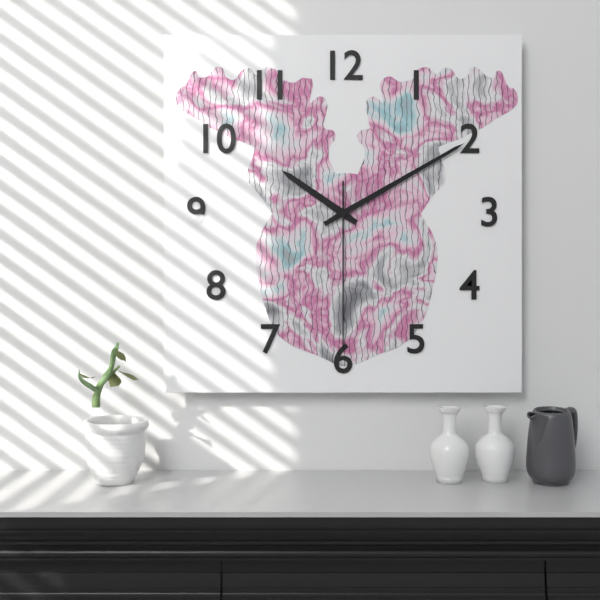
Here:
h=10 m=10 s=30
